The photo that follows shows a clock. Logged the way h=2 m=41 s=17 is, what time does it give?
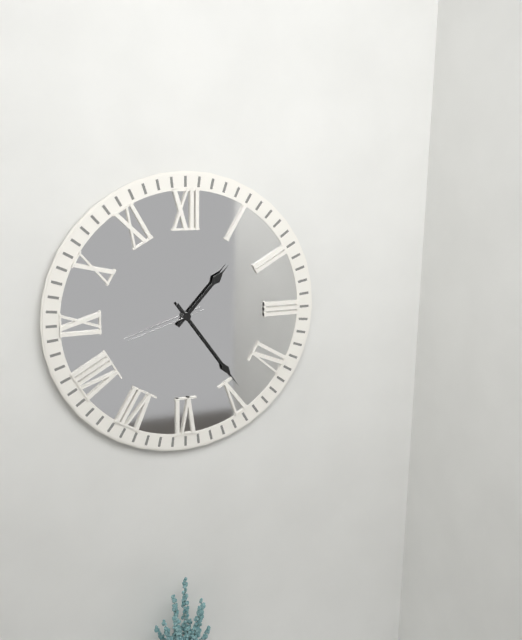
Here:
h=1 m=24 s=42
